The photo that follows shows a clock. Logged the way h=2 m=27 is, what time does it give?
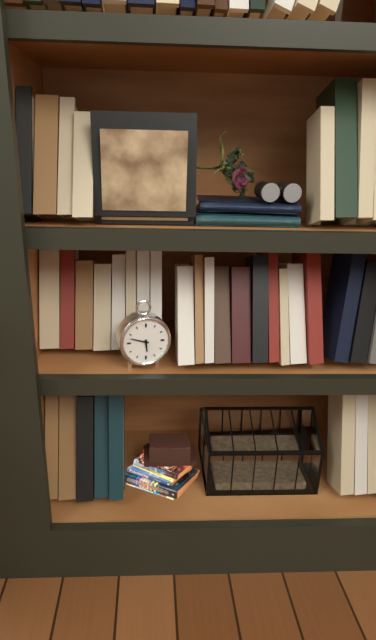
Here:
h=5 m=48
